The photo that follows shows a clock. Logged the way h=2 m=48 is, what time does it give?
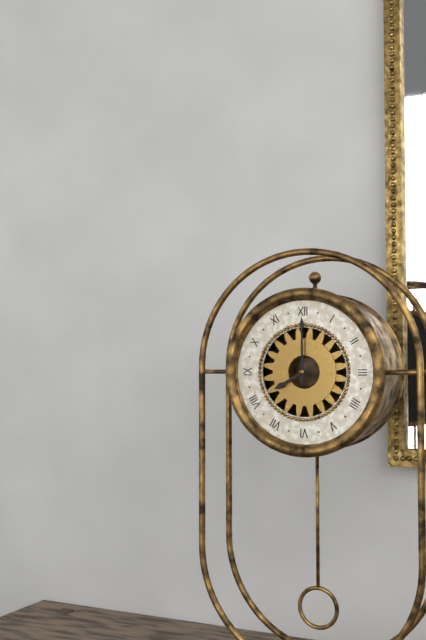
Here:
h=8 m=0
